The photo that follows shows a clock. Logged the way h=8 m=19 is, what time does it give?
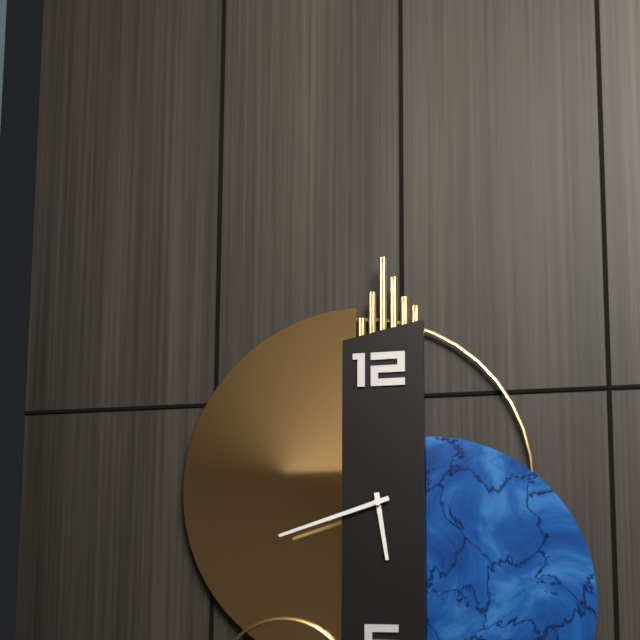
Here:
h=5 m=42
